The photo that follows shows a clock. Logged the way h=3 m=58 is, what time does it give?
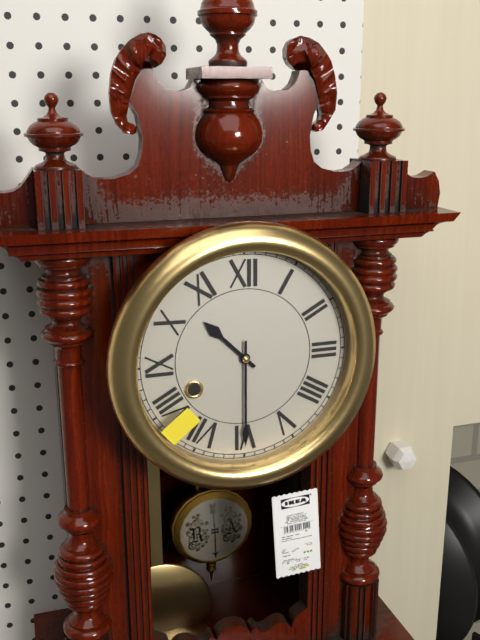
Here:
h=10 m=30
